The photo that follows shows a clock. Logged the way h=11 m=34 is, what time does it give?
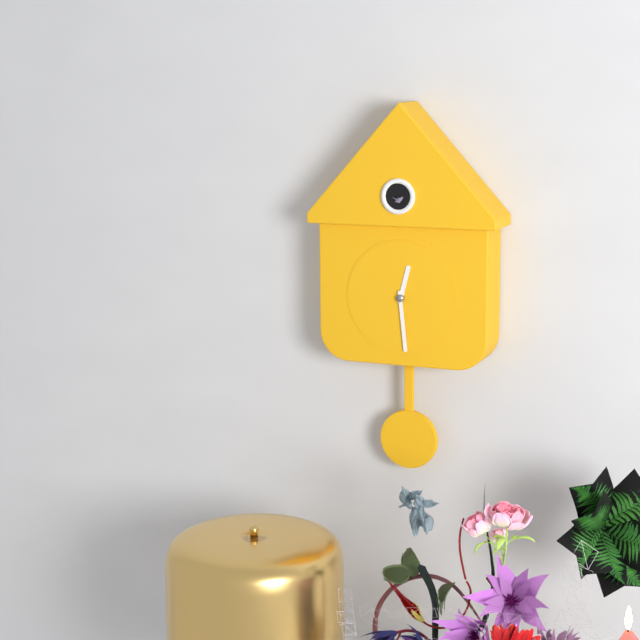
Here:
h=12 m=29
